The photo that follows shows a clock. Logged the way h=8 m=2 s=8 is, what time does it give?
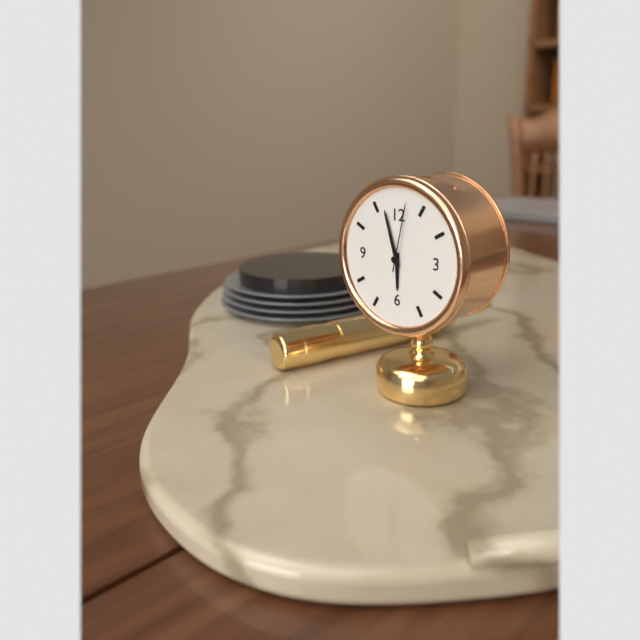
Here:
h=5 m=57 s=2
